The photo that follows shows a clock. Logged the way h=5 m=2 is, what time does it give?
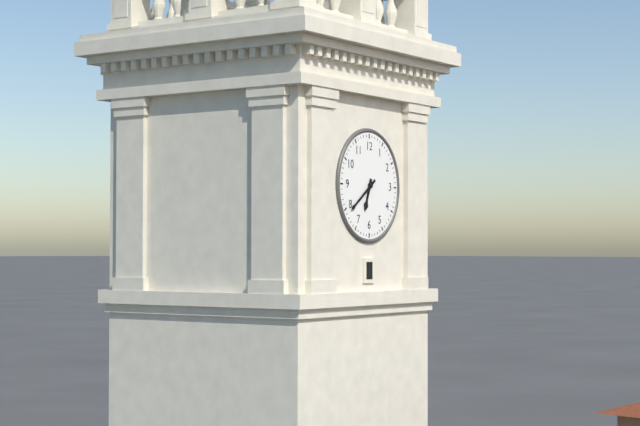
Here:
h=6 m=39
